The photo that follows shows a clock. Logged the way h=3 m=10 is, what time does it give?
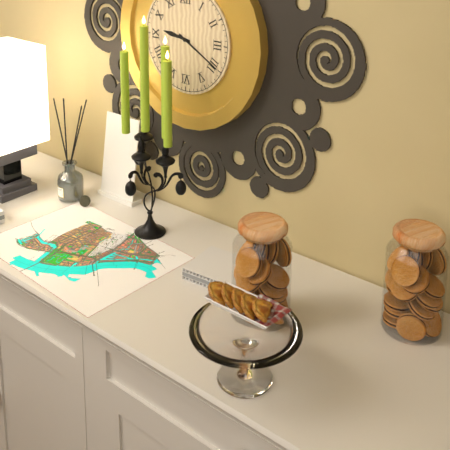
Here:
h=9 m=20
